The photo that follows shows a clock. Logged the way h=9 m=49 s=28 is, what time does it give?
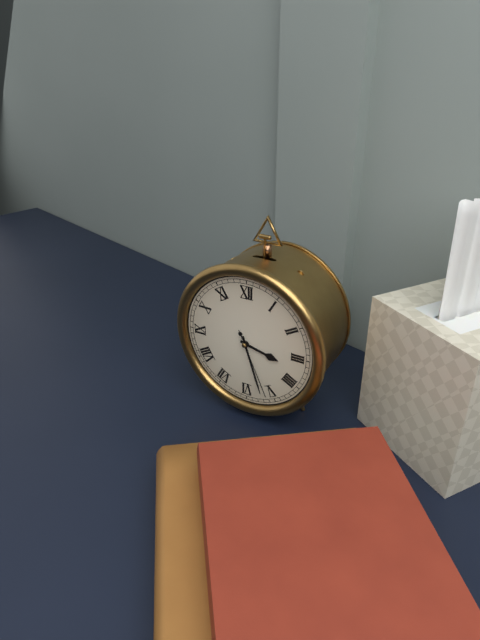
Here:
h=3 m=27 s=26
